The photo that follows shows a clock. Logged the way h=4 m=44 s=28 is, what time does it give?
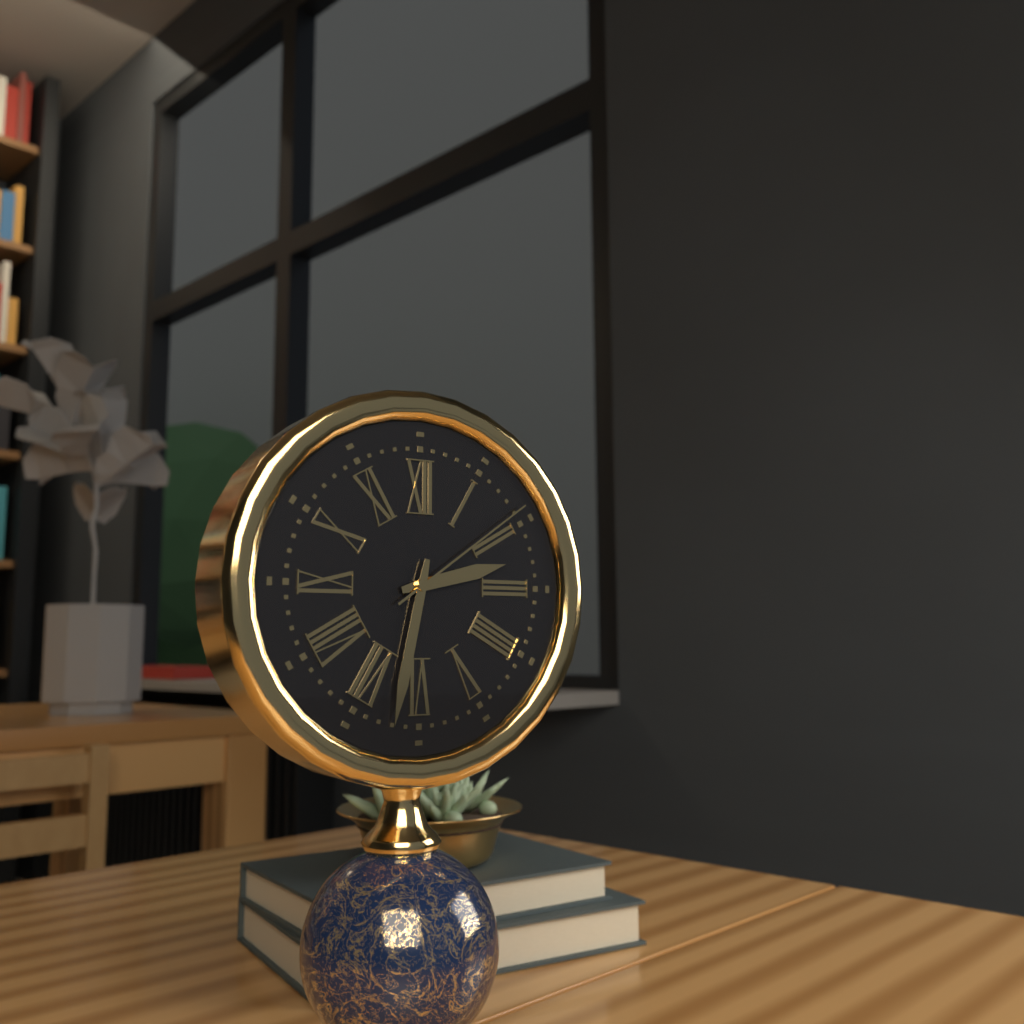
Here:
h=2 m=32 s=9
